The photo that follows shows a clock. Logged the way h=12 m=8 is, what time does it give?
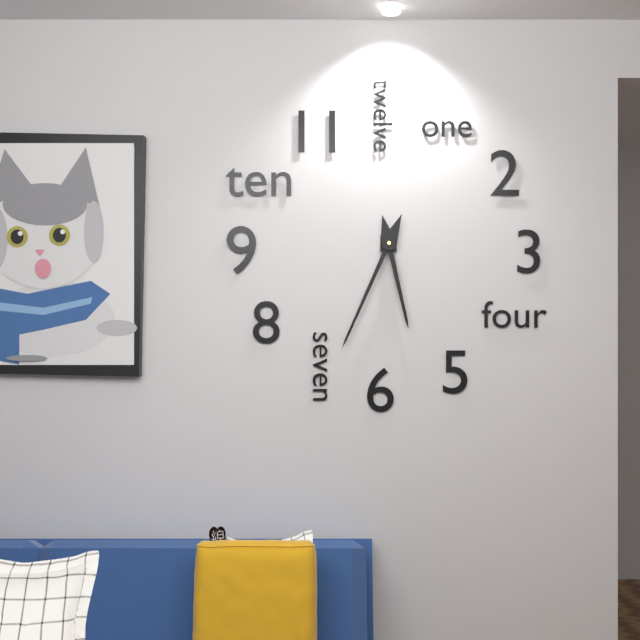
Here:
h=5 m=34
